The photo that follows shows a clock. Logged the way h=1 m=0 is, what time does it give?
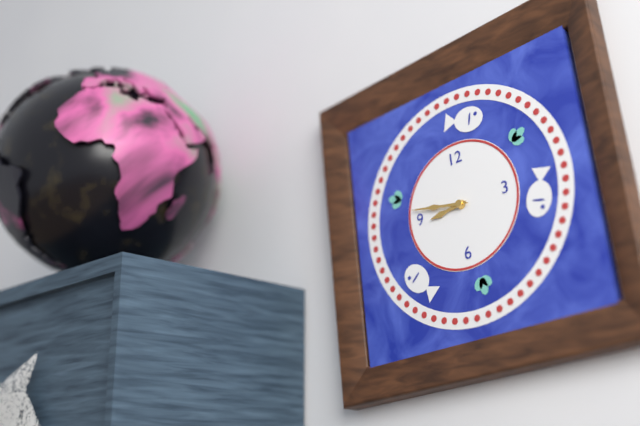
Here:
h=8 m=47
